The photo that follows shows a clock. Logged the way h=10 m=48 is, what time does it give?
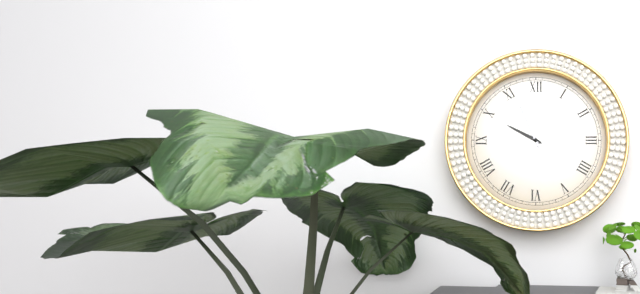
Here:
h=9 m=56
